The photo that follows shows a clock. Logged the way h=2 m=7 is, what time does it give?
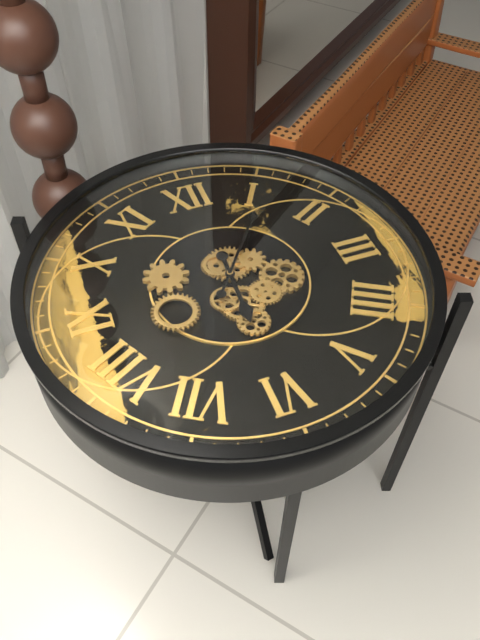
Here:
h=6 m=6
